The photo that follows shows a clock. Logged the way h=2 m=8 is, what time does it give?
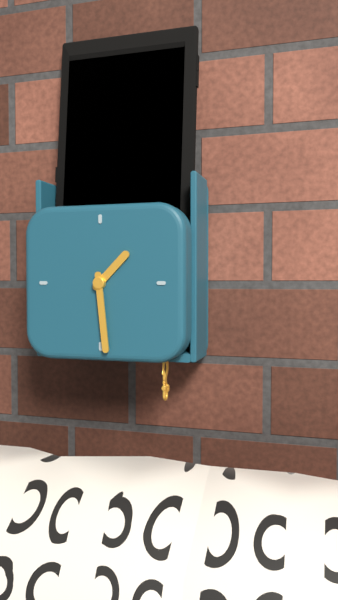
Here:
h=1 m=29
